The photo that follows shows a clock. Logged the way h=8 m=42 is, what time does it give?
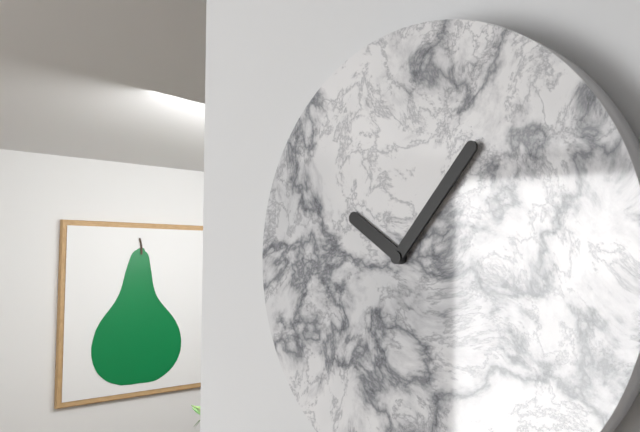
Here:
h=10 m=7
